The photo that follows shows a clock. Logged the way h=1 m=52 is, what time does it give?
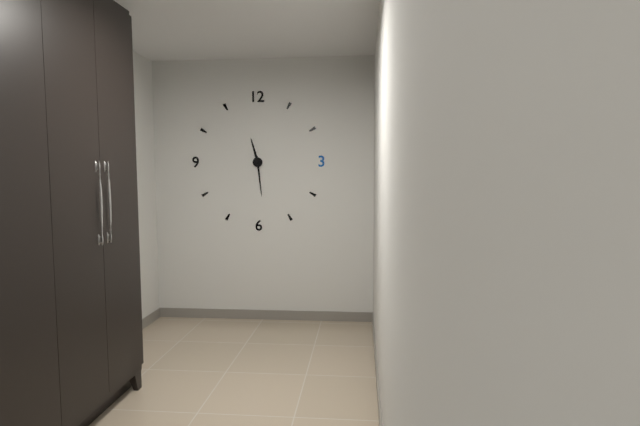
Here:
h=11 m=29
